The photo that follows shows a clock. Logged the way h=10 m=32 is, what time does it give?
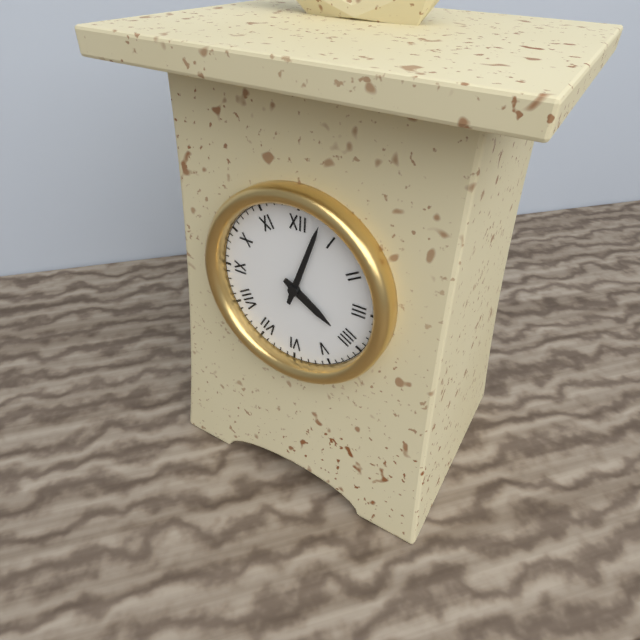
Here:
h=4 m=3
